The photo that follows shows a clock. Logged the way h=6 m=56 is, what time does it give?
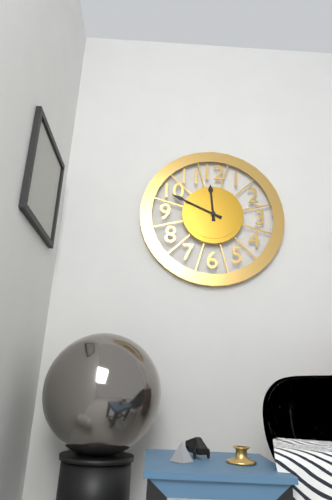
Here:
h=11 m=49
